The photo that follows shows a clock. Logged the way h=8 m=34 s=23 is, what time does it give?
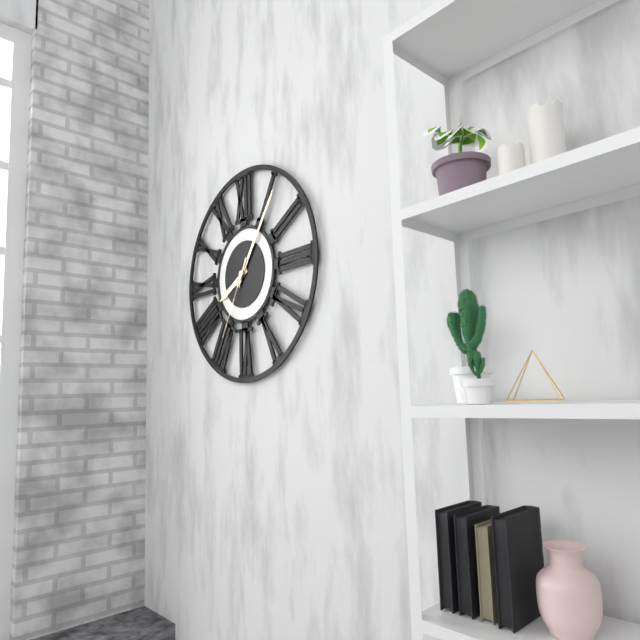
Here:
h=8 m=6 s=35
